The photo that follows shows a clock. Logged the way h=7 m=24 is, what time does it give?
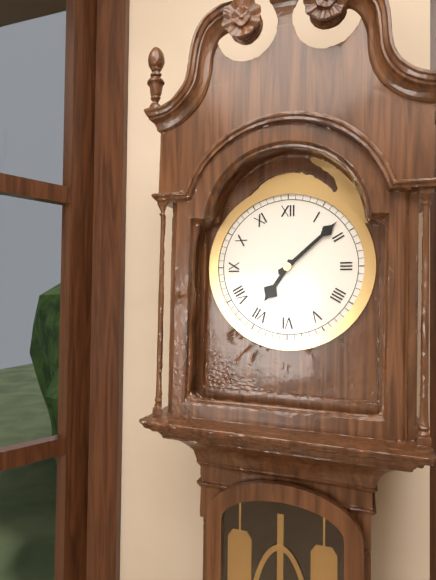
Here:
h=7 m=8
